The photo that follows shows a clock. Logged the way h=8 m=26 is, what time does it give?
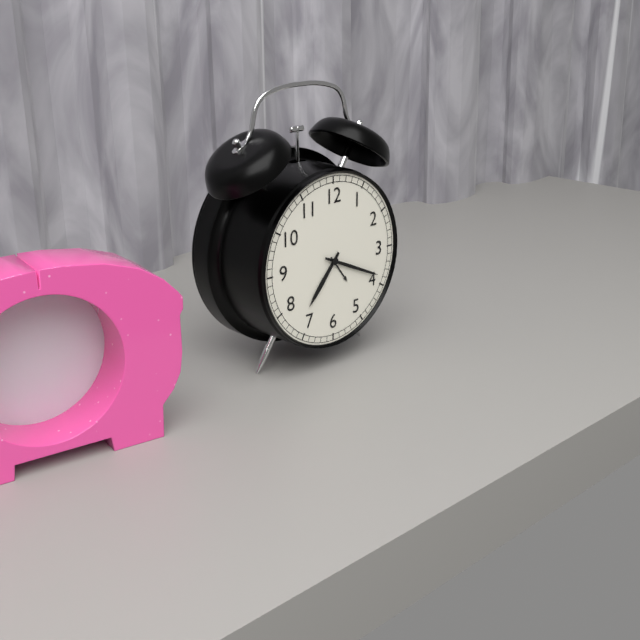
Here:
h=7 m=19
